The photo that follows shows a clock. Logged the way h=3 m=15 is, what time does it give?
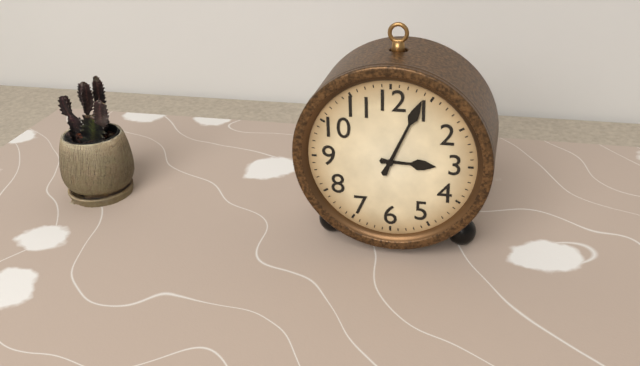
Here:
h=3 m=4
